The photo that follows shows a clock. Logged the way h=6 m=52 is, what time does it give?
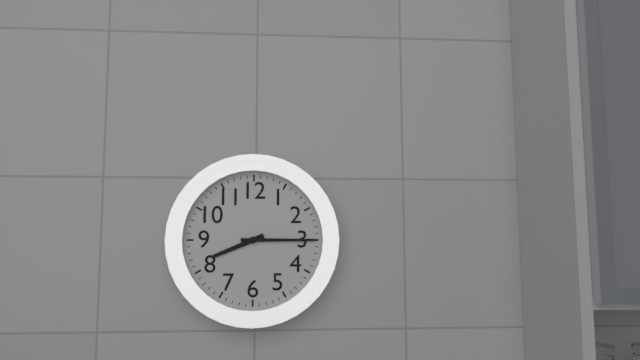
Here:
h=8 m=15
